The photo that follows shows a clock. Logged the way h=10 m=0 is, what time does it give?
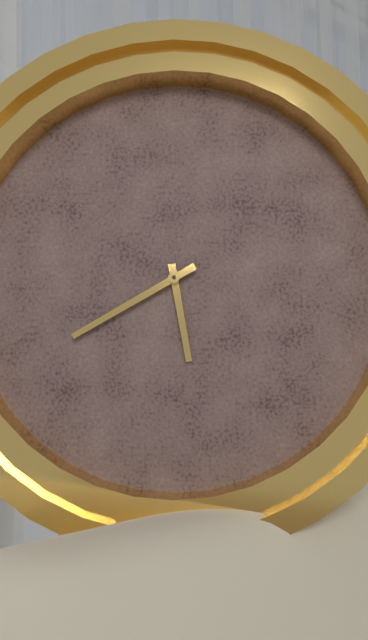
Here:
h=5 m=40
